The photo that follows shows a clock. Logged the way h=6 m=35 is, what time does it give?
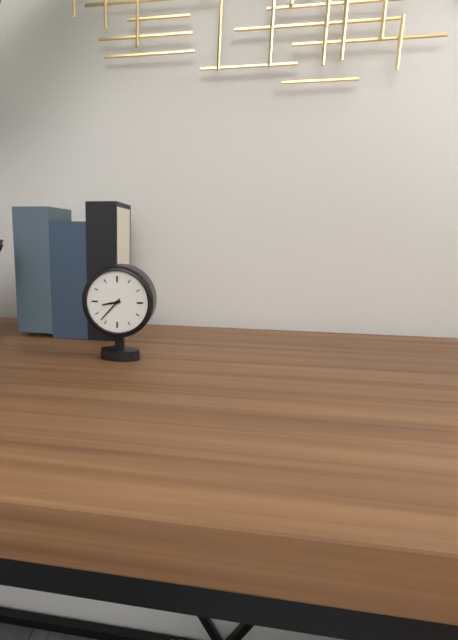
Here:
h=8 m=37
